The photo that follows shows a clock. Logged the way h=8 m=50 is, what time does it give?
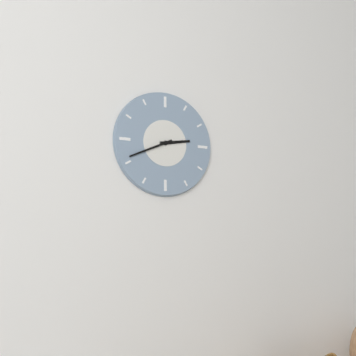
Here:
h=2 m=41
